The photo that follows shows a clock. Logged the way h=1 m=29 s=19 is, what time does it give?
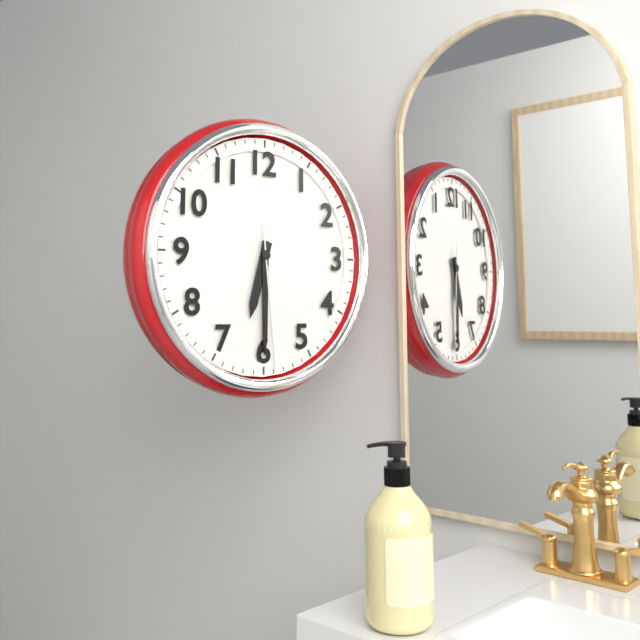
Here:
h=6 m=30 s=29
